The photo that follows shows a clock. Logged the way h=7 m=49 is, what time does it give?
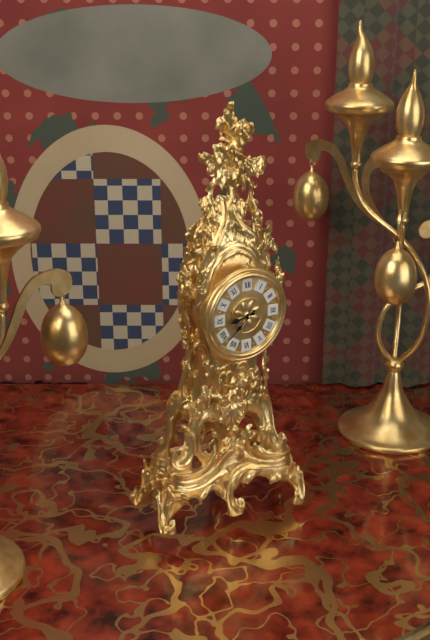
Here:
h=8 m=38
